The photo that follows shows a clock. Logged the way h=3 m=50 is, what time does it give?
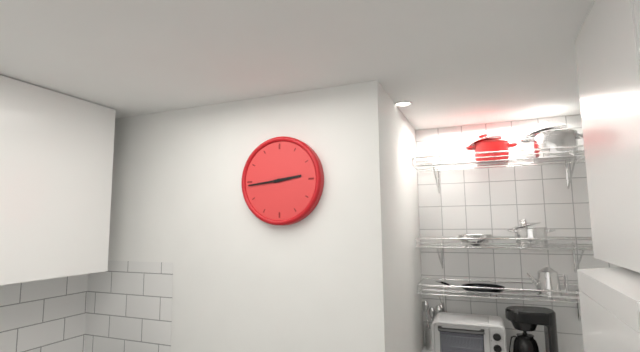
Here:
h=2 m=44
